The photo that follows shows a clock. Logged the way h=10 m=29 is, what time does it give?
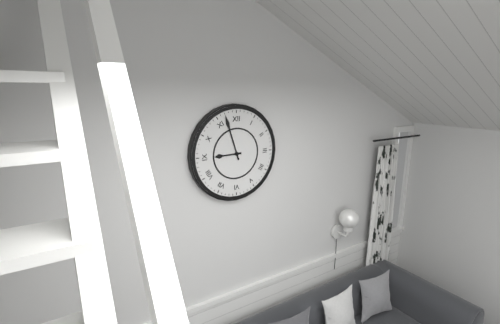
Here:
h=8 m=57
